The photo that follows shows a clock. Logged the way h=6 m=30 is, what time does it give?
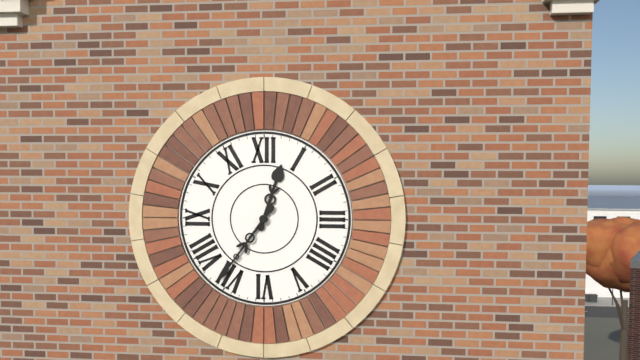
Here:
h=12 m=36
